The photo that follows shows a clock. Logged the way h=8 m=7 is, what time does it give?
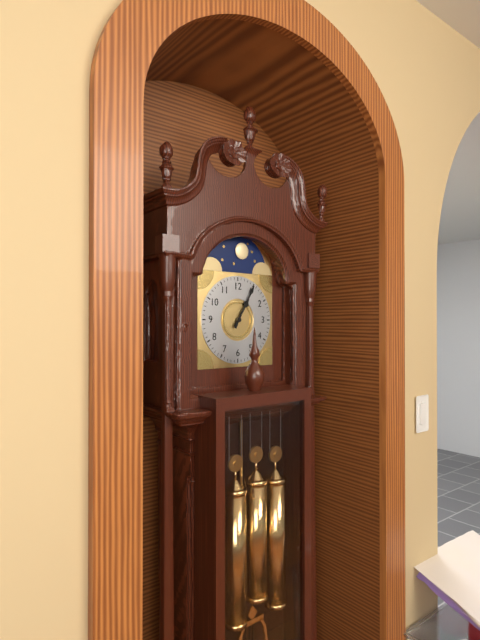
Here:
h=1 m=5
